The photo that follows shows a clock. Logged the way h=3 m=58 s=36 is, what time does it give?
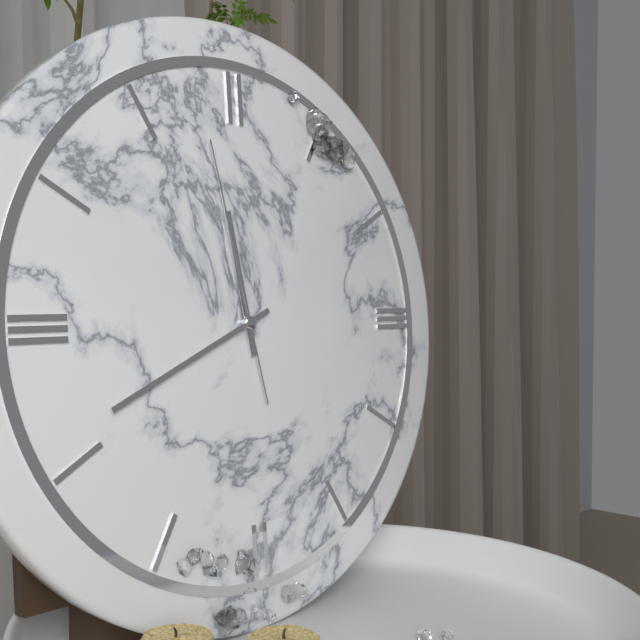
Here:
h=11 m=41 s=58
